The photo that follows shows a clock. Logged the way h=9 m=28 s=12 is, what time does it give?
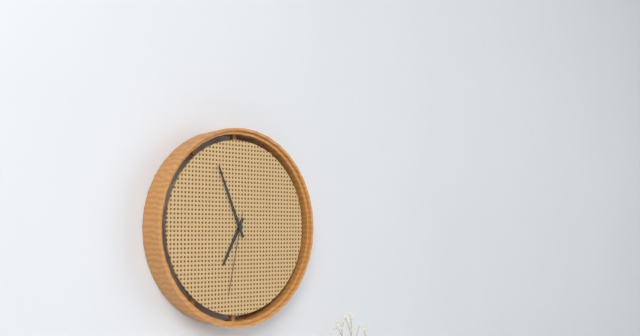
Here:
h=6 m=56 s=32
